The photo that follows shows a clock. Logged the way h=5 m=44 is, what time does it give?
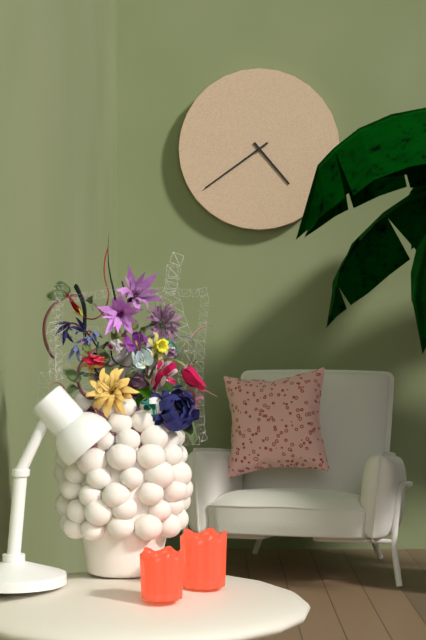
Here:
h=4 m=39
